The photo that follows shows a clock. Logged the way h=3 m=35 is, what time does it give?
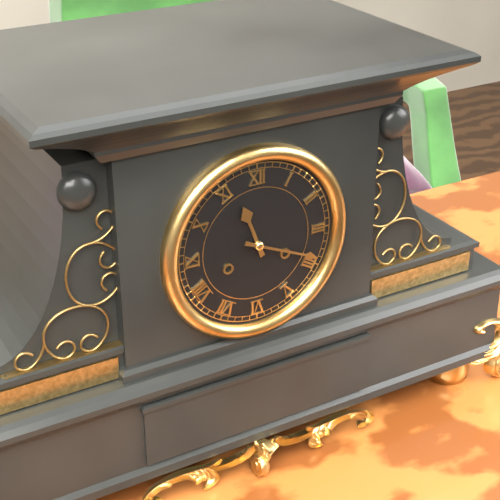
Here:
h=11 m=19
